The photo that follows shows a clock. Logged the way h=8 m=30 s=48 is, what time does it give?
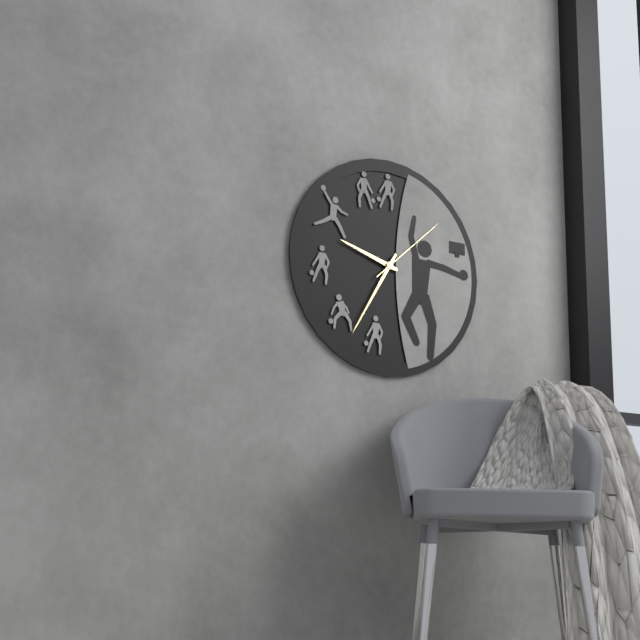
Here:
h=9 m=35 s=8
